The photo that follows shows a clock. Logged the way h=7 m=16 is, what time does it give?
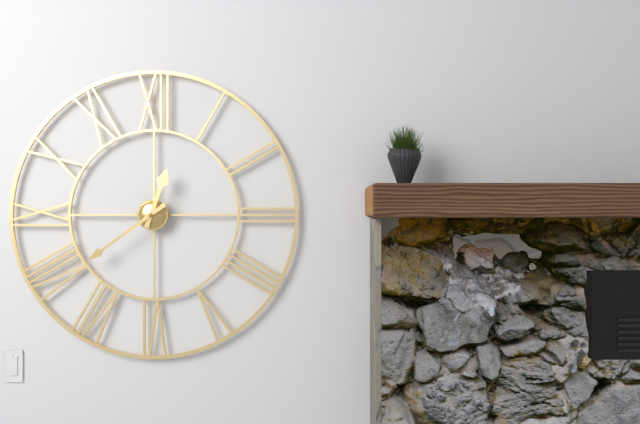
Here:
h=12 m=39
